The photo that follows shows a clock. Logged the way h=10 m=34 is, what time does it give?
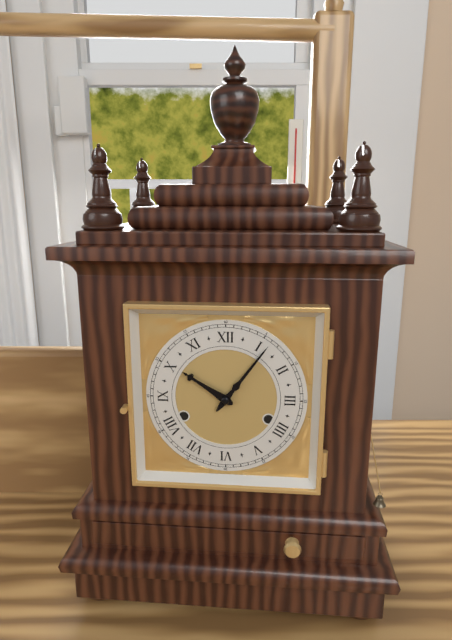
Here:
h=10 m=6
